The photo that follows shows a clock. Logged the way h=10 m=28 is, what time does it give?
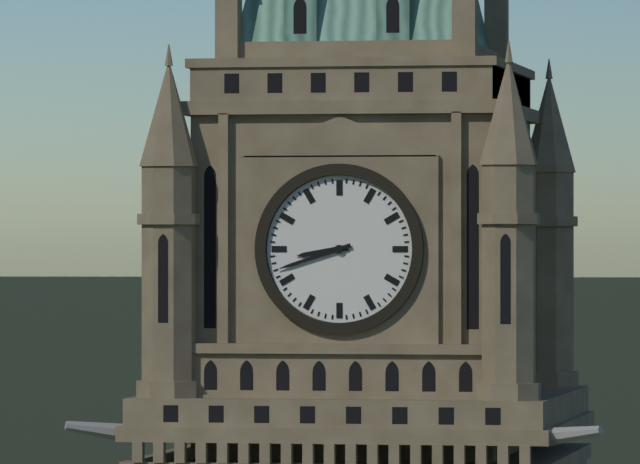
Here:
h=8 m=42
